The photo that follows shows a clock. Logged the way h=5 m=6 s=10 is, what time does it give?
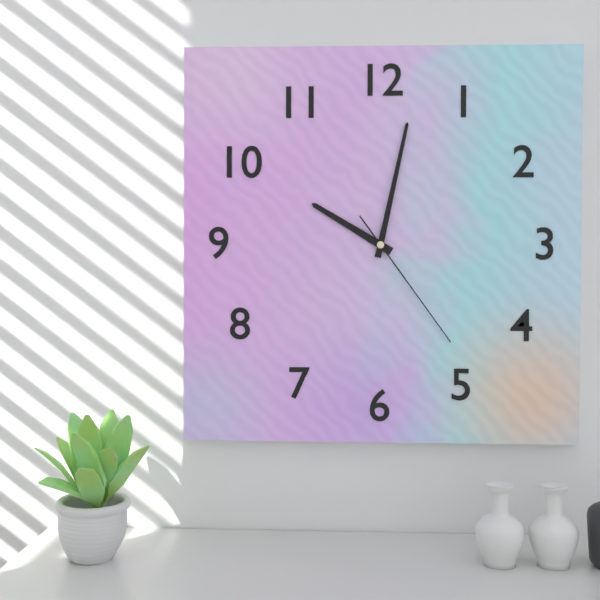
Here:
h=10 m=2 s=24
